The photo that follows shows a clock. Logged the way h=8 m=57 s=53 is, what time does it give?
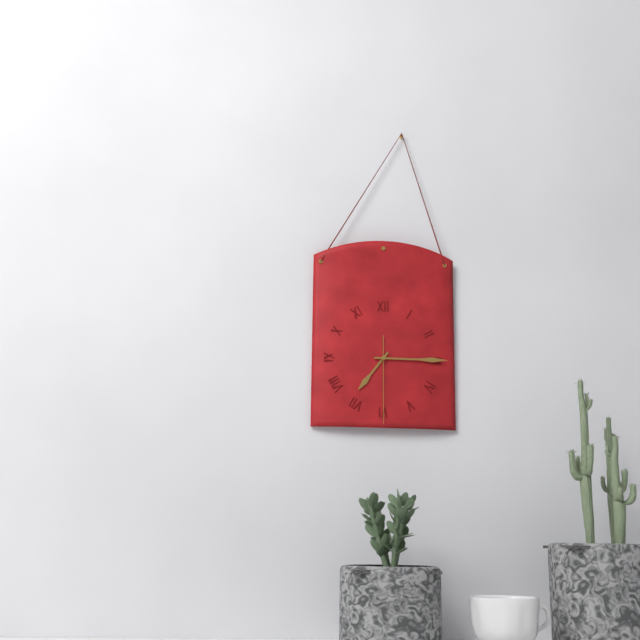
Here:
h=7 m=15 s=30
